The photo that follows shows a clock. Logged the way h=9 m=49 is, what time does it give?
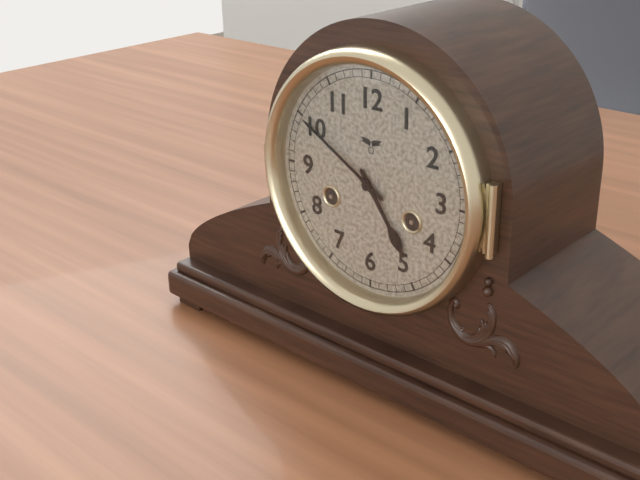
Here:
h=4 m=50
